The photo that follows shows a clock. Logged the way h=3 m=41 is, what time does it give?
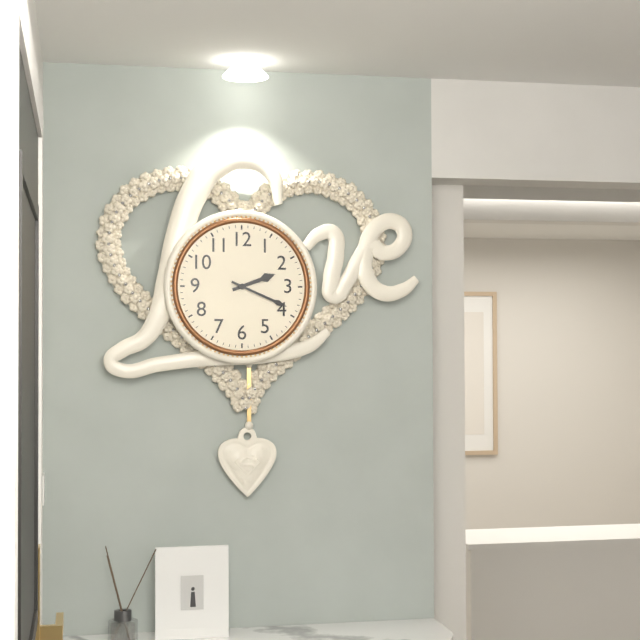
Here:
h=2 m=19
